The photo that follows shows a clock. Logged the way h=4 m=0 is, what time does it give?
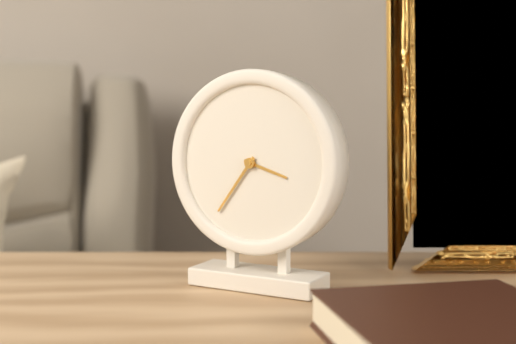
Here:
h=3 m=36
